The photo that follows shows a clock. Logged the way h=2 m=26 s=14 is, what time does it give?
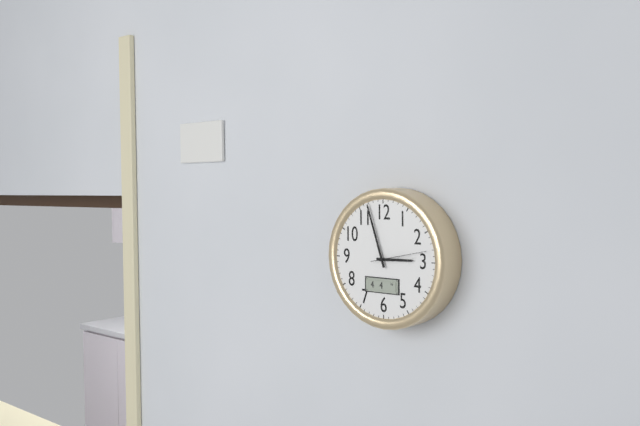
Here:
h=2 m=57 s=13
